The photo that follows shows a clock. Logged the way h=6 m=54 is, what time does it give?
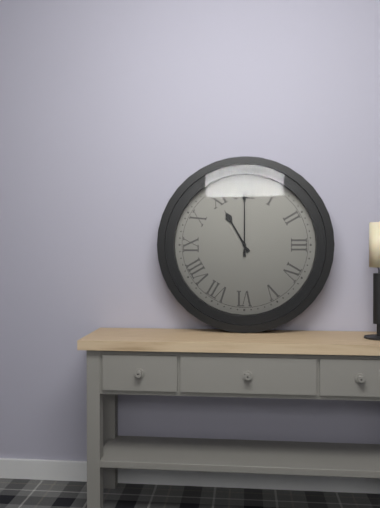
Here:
h=11 m=0
